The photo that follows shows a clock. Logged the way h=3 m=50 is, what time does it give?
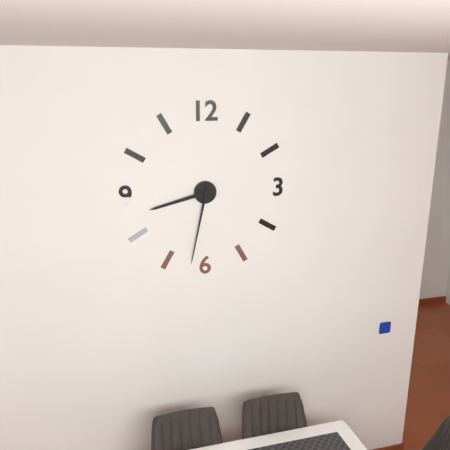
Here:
h=8 m=32
